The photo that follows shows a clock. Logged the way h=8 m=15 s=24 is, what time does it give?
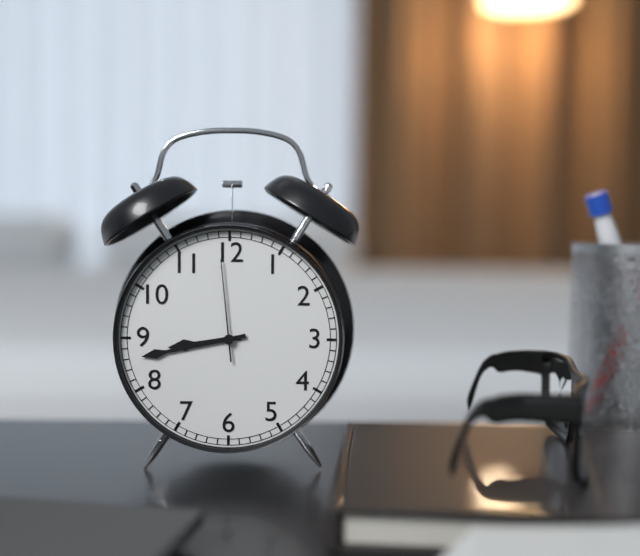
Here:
h=8 m=43 s=59
